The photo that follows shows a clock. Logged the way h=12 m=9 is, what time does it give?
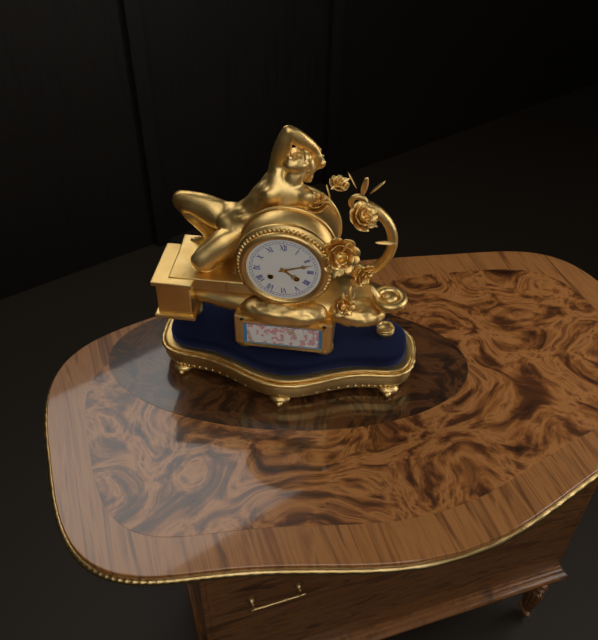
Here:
h=4 m=12
